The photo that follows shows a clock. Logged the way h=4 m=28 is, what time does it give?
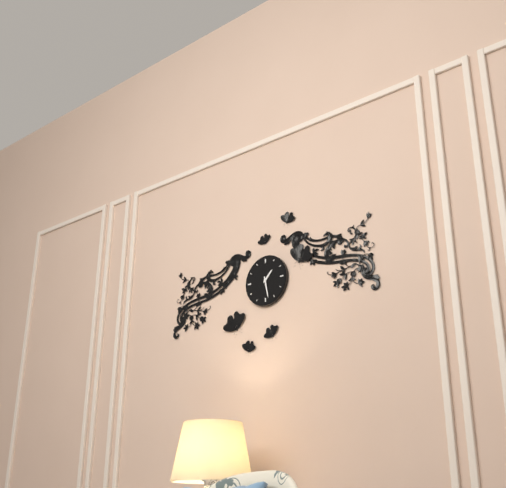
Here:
h=1 m=28
